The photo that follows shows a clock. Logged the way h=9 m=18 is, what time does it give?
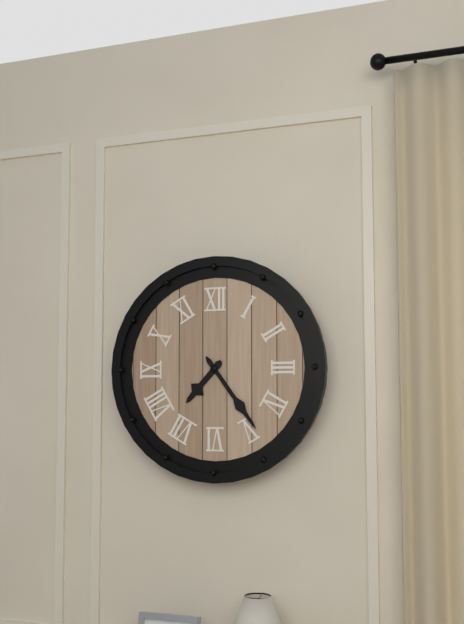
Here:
h=7 m=24
